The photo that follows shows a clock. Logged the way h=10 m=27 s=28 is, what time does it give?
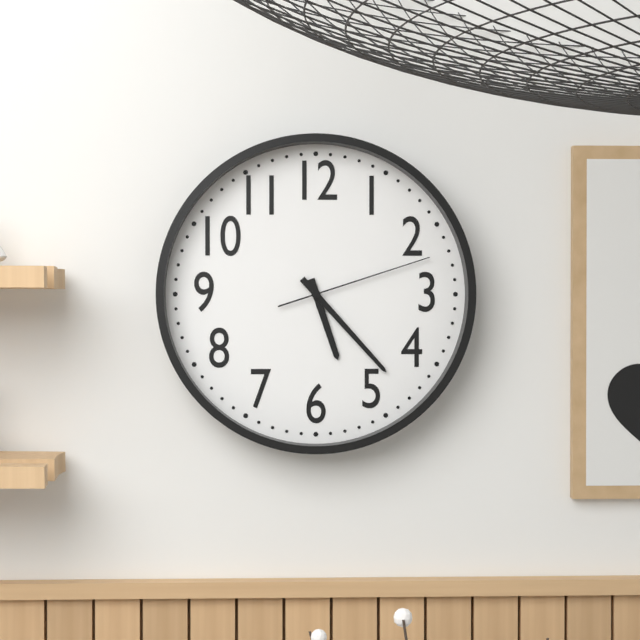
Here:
h=5 m=23 s=12
